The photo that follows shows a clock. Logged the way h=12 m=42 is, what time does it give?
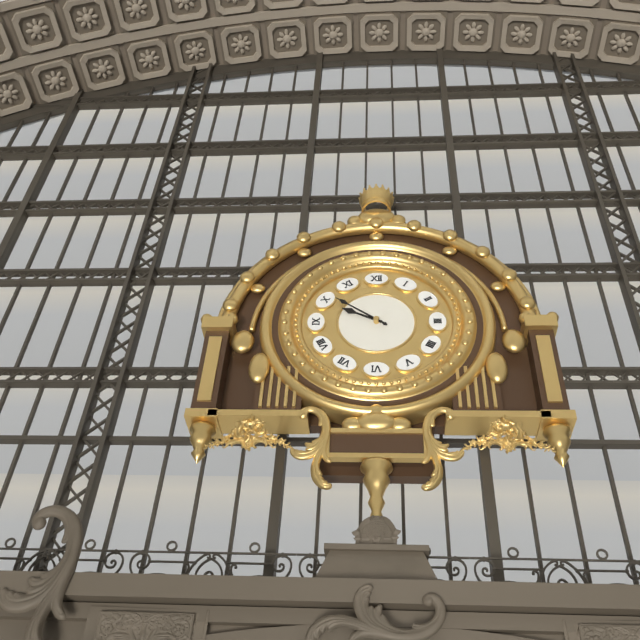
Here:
h=9 m=51
